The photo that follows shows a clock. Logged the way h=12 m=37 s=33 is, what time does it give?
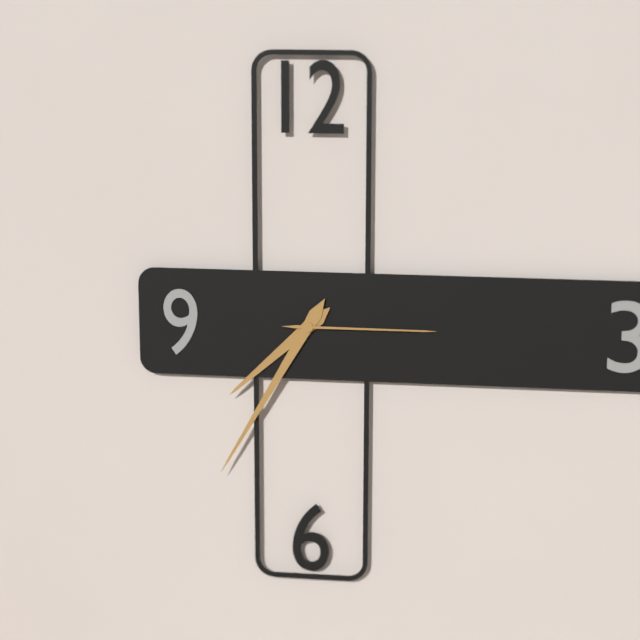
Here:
h=7 m=35 s=15
